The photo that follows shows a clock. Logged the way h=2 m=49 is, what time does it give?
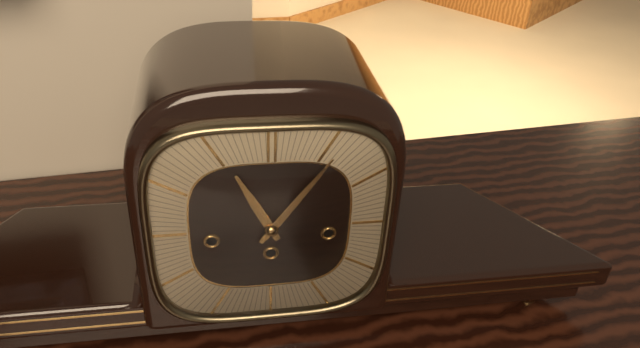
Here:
h=11 m=6
